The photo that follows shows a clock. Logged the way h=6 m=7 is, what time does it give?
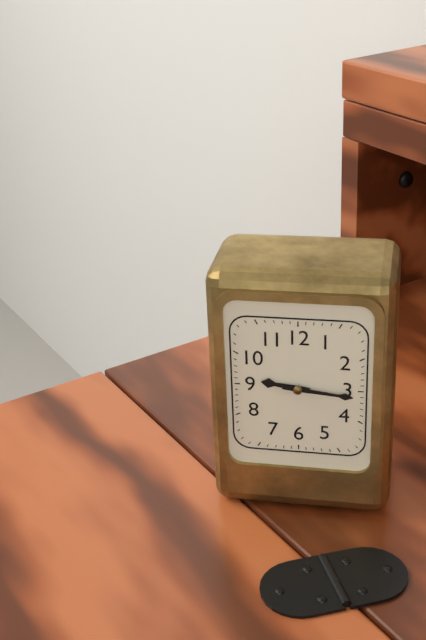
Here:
h=9 m=16
